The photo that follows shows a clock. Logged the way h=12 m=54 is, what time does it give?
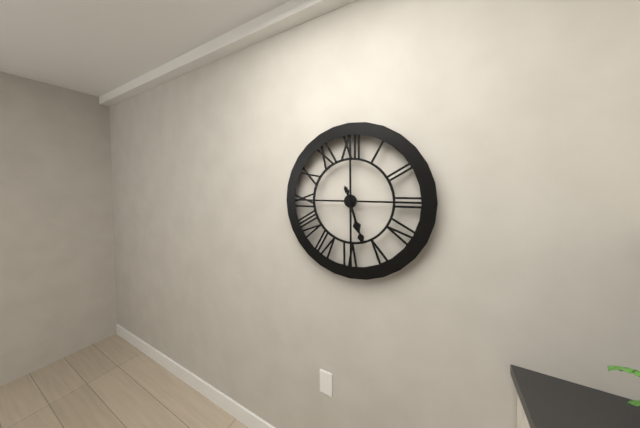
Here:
h=5 m=27
